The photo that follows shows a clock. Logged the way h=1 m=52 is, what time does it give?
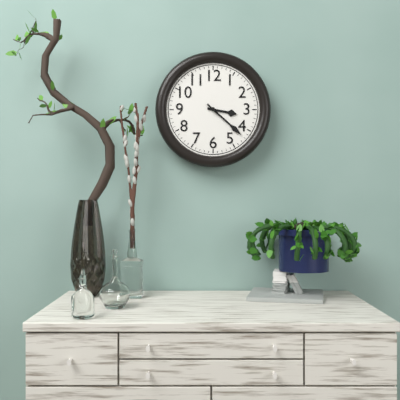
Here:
h=3 m=22
